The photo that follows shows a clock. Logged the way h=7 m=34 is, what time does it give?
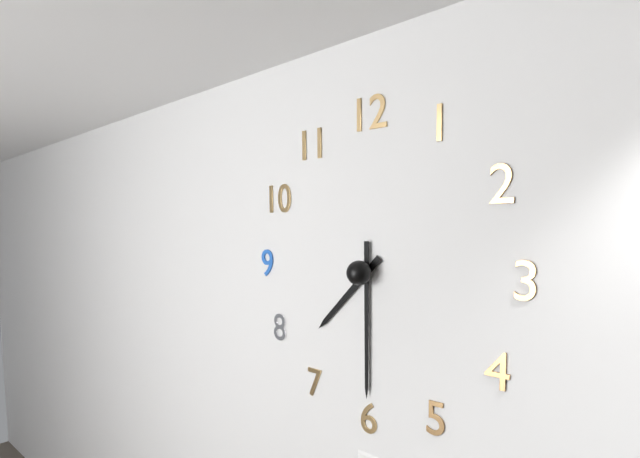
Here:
h=7 m=30
